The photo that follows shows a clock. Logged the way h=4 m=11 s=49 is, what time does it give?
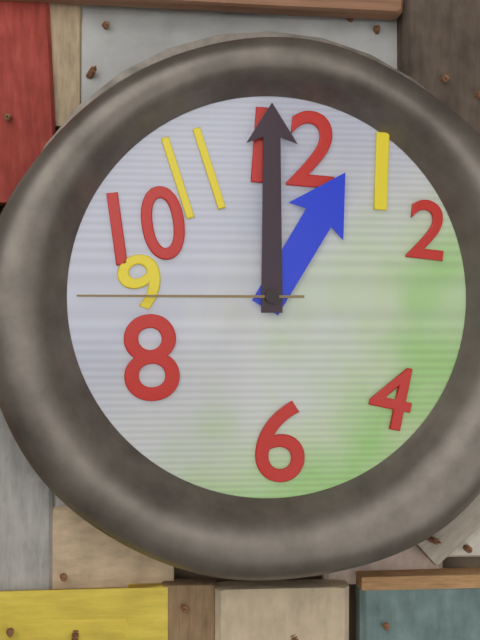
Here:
h=1 m=0 s=45
